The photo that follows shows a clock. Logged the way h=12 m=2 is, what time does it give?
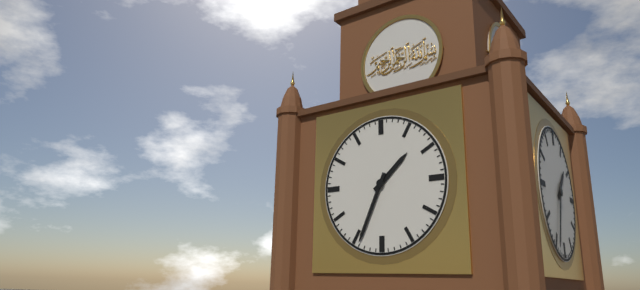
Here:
h=1 m=34
